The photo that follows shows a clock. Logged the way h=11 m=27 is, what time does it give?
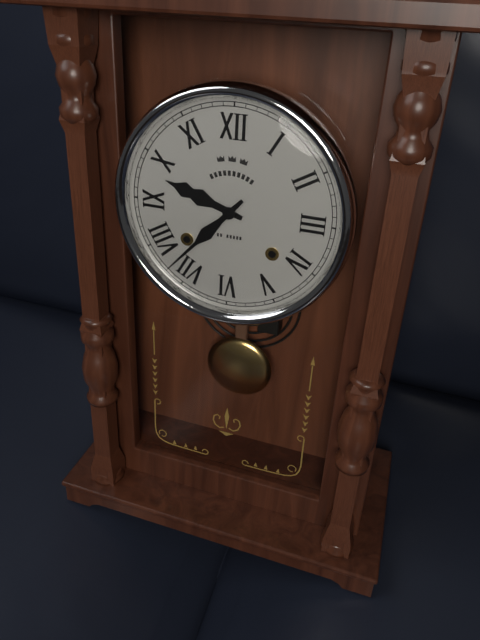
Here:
h=9 m=37
